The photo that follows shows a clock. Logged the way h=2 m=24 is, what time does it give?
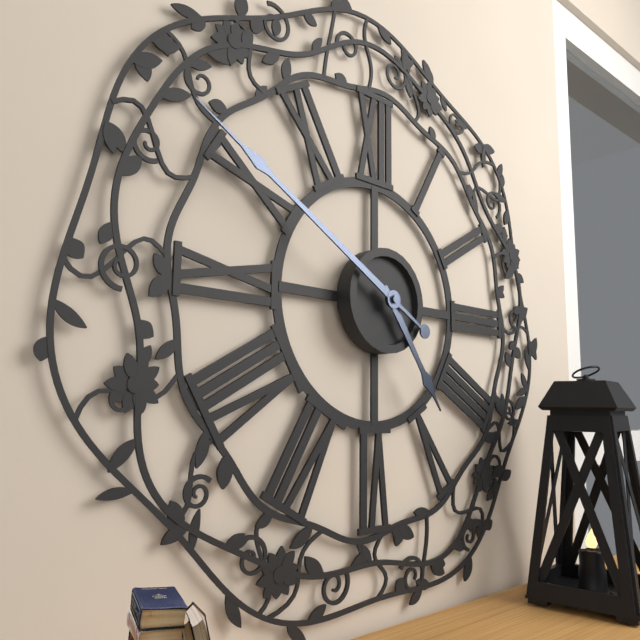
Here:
h=4 m=50
